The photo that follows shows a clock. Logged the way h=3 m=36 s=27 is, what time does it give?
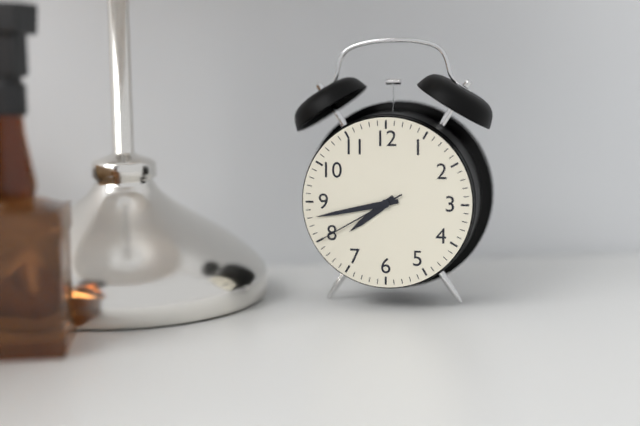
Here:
h=7 m=43 s=40
